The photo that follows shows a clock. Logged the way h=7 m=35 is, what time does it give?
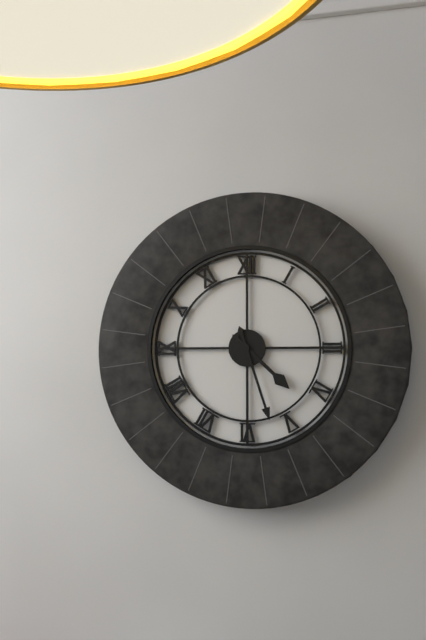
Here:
h=4 m=27
